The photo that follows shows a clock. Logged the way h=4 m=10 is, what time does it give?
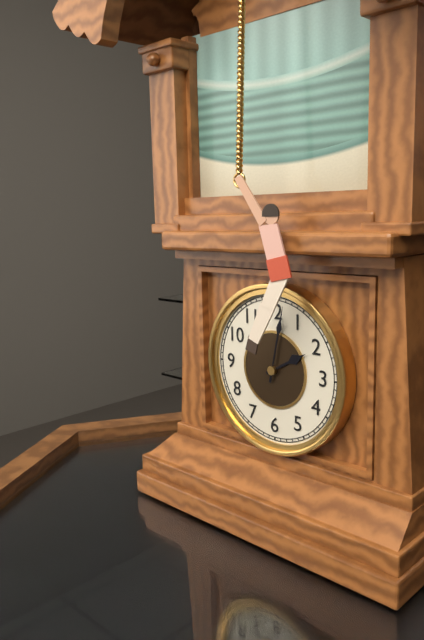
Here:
h=2 m=2
